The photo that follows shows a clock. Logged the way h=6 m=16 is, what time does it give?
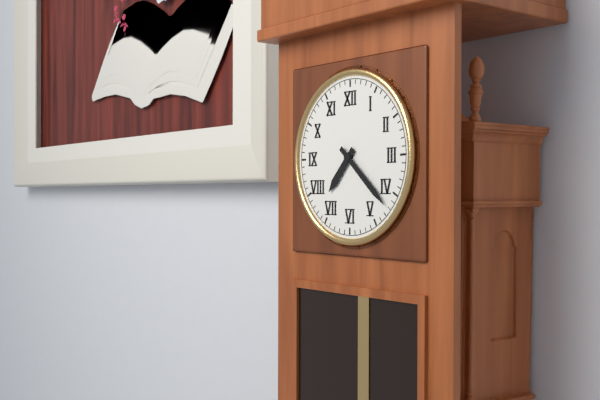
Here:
h=7 m=22
